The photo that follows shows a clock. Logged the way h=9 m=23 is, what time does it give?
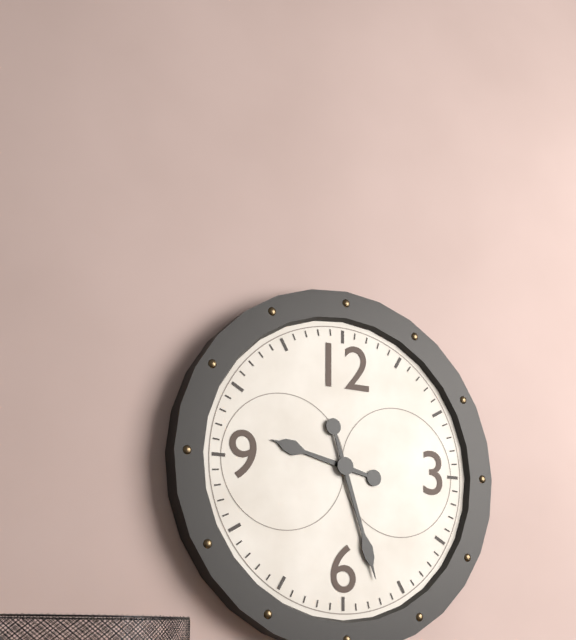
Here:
h=9 m=27
